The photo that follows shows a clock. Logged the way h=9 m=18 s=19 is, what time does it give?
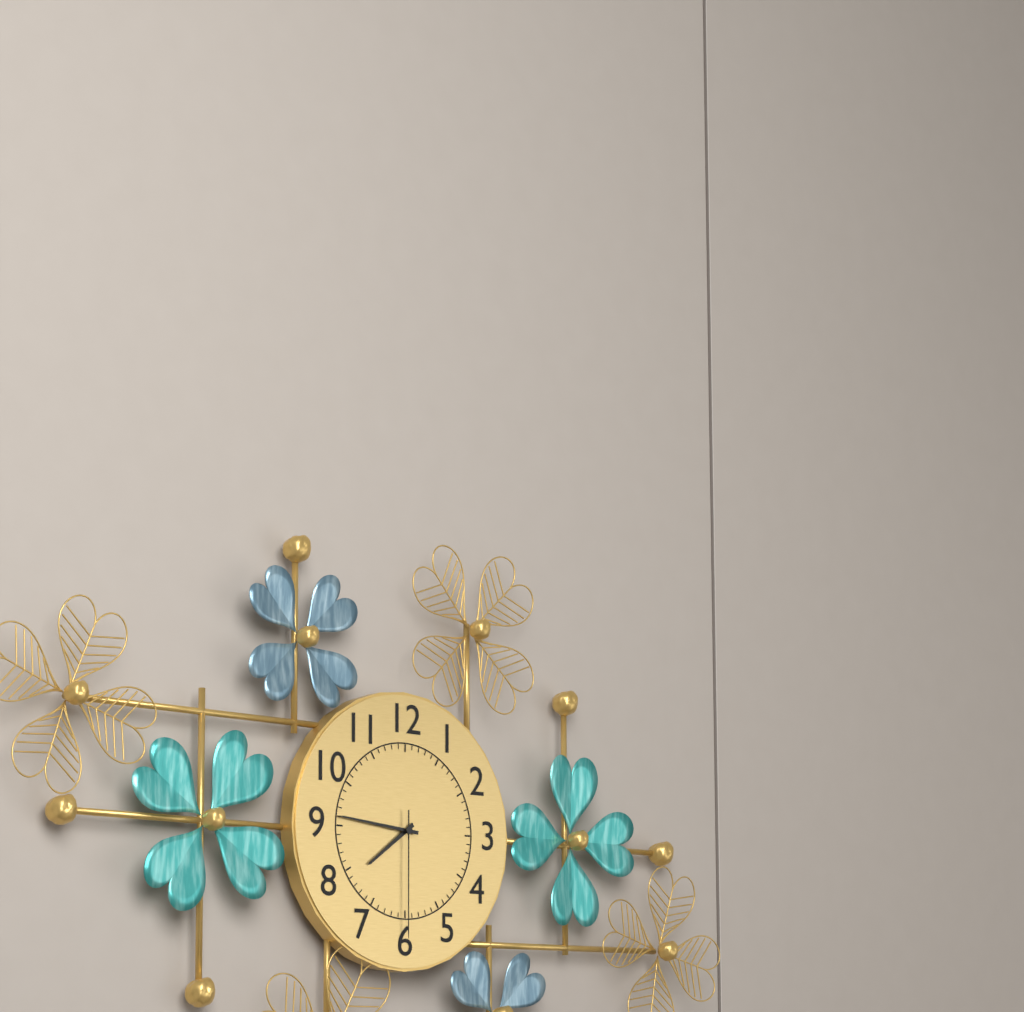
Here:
h=7 m=46 s=30
